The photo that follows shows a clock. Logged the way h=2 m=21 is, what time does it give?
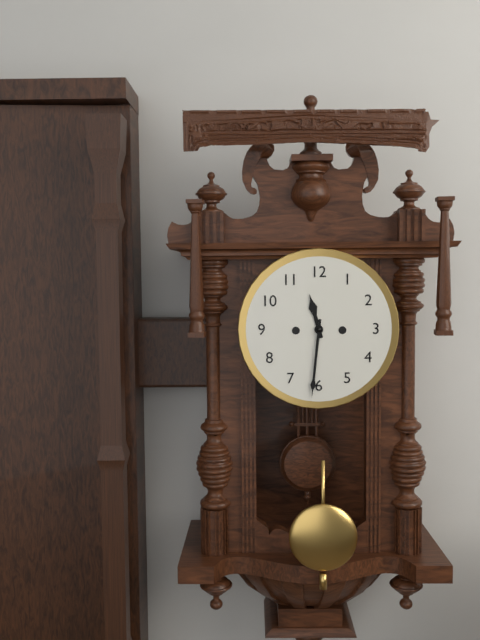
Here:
h=11 m=31
